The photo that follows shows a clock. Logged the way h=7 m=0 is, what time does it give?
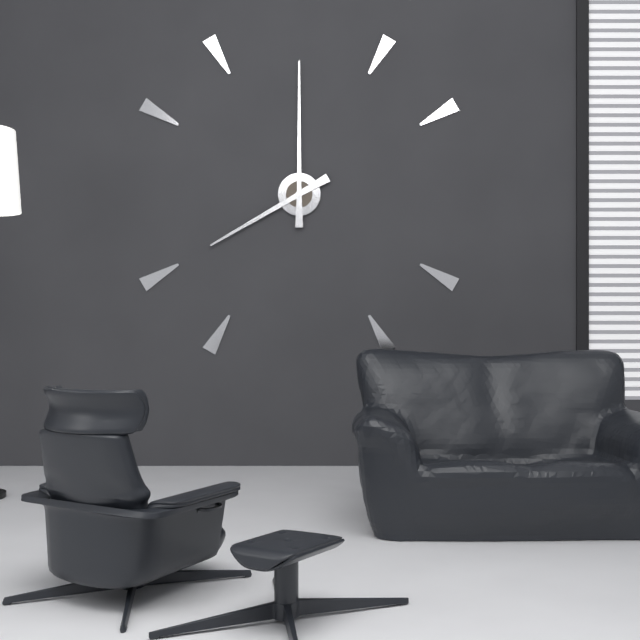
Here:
h=8 m=0
